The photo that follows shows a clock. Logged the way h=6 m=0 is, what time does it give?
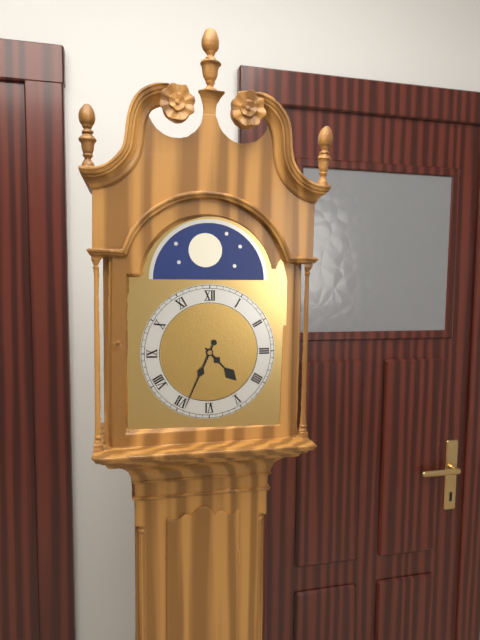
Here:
h=4 m=34
